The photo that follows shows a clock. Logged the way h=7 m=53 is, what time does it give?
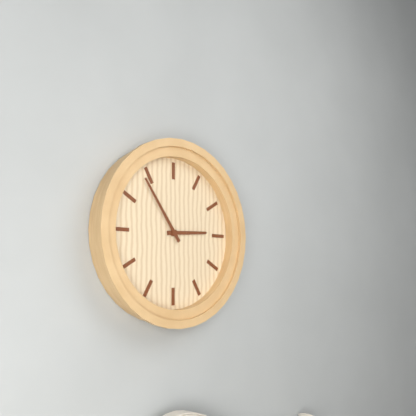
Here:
h=2 m=54
